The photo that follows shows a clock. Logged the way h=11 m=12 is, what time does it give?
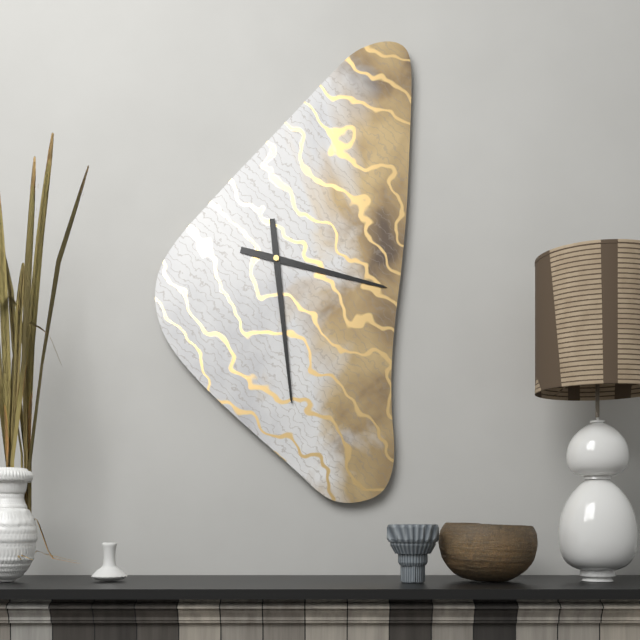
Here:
h=3 m=29
